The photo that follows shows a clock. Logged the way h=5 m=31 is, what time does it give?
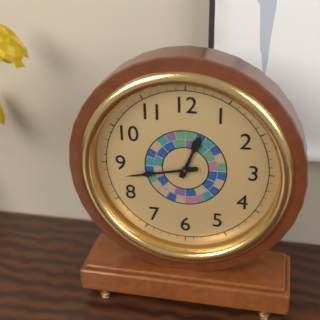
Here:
h=12 m=43
